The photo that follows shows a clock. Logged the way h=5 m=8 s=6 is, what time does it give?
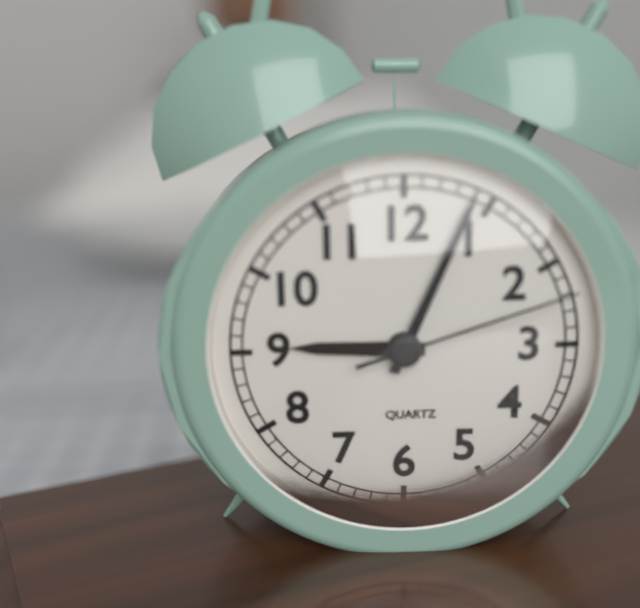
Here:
h=9 m=4 s=12
